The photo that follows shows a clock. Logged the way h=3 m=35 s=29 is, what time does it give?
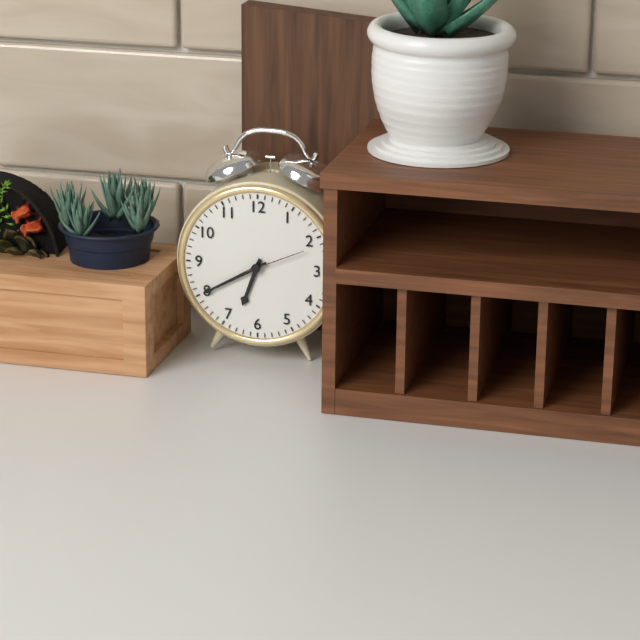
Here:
h=6 m=40 s=11
